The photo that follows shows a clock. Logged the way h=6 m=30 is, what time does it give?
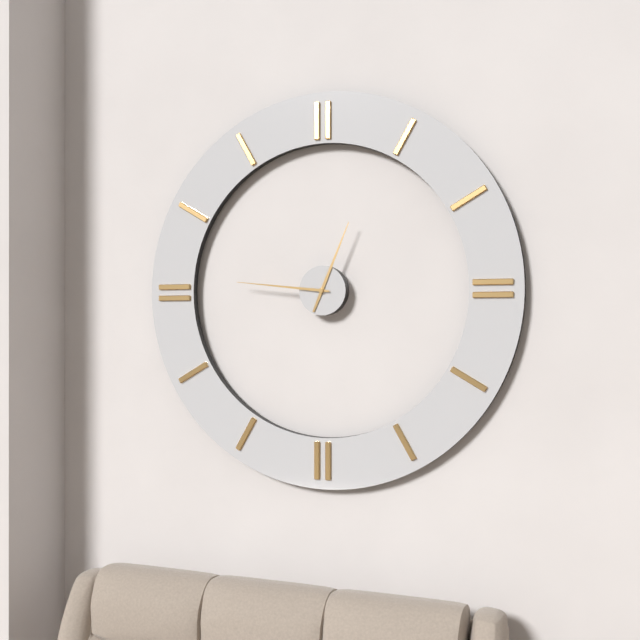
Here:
h=12 m=46
